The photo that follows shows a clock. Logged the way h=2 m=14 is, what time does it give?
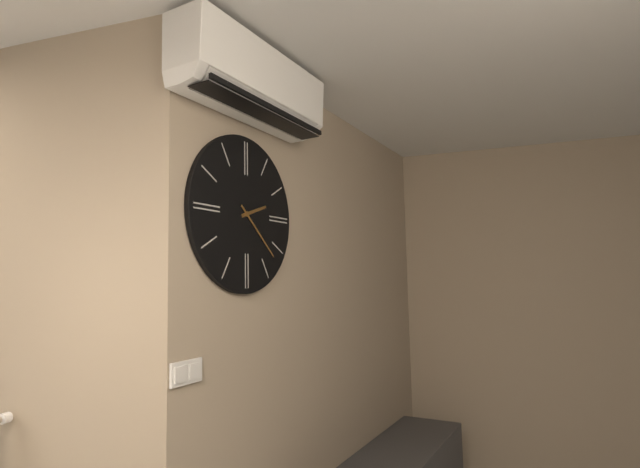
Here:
h=2 m=22
